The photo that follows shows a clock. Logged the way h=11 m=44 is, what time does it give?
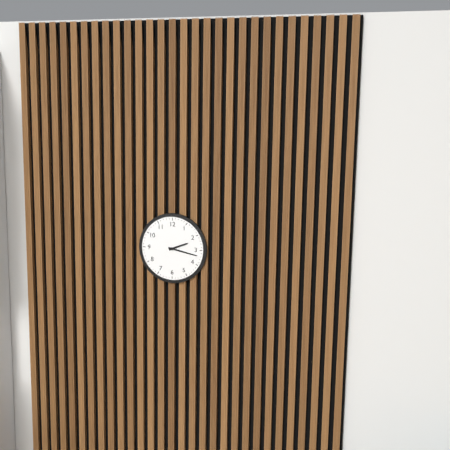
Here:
h=2 m=17
